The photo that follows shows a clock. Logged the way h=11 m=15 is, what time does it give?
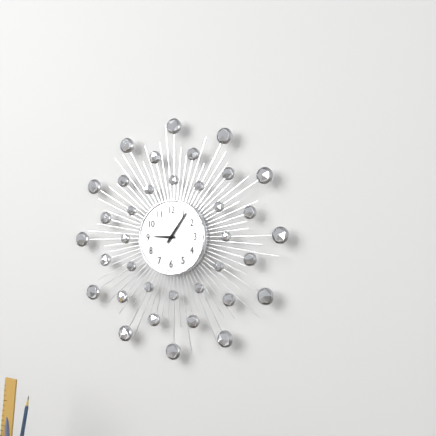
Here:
h=9 m=6
